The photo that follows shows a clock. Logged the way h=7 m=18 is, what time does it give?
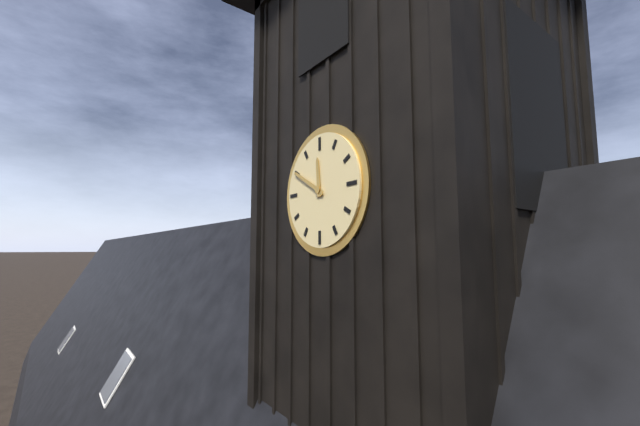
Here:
h=11 m=50
